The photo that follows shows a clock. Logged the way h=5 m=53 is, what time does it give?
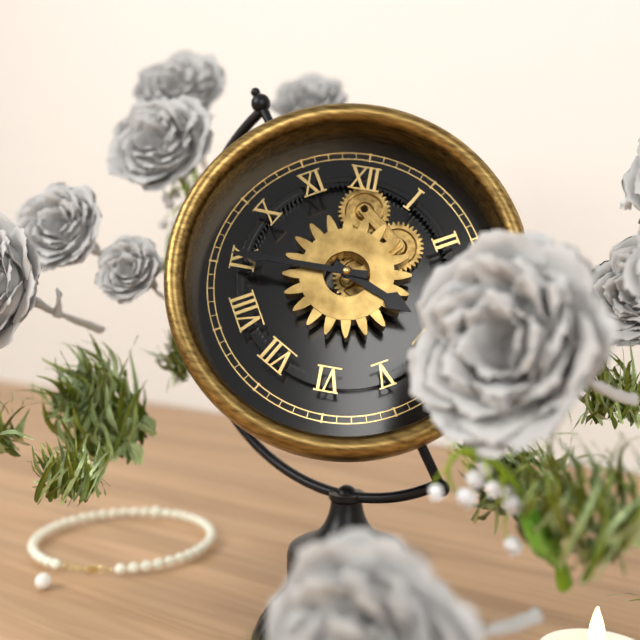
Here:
h=3 m=45
